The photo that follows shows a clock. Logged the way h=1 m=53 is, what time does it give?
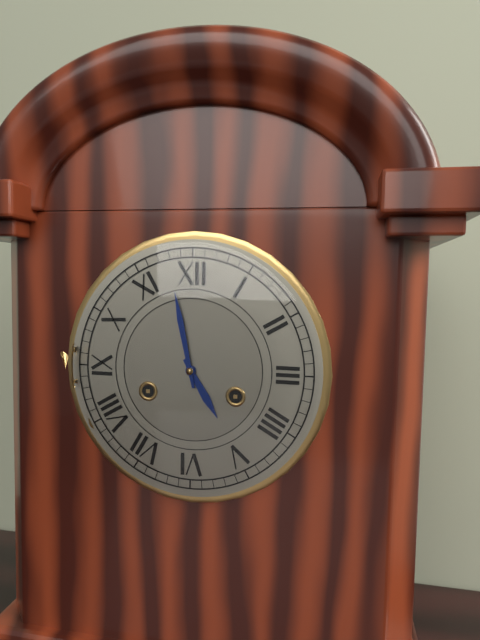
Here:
h=4 m=58
